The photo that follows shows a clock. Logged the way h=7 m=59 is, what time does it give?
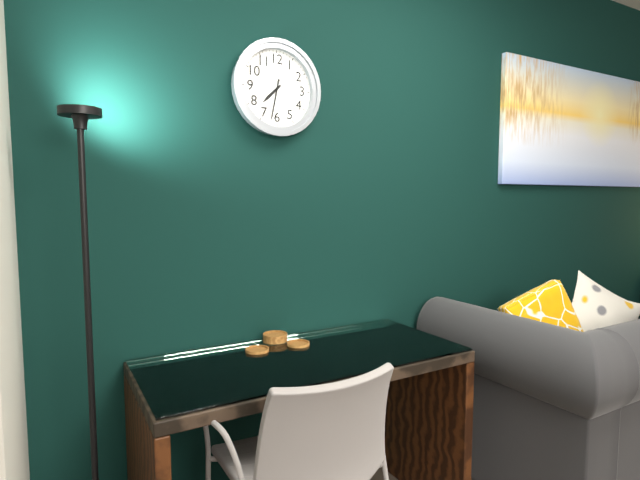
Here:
h=7 m=32
